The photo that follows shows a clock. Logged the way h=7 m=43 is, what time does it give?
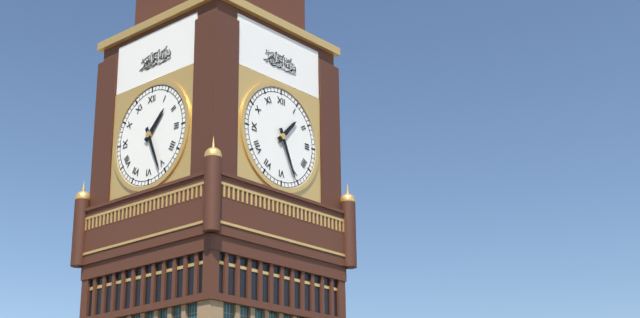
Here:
h=1 m=26
